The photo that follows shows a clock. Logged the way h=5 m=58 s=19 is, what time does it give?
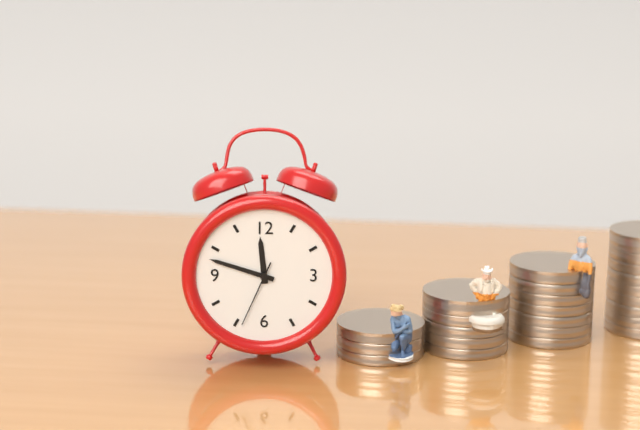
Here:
h=11 m=48 s=34
